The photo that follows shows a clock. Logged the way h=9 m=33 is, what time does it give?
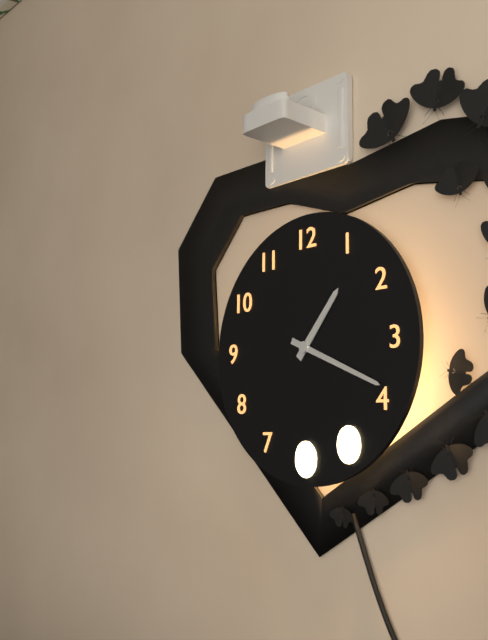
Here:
h=1 m=19
